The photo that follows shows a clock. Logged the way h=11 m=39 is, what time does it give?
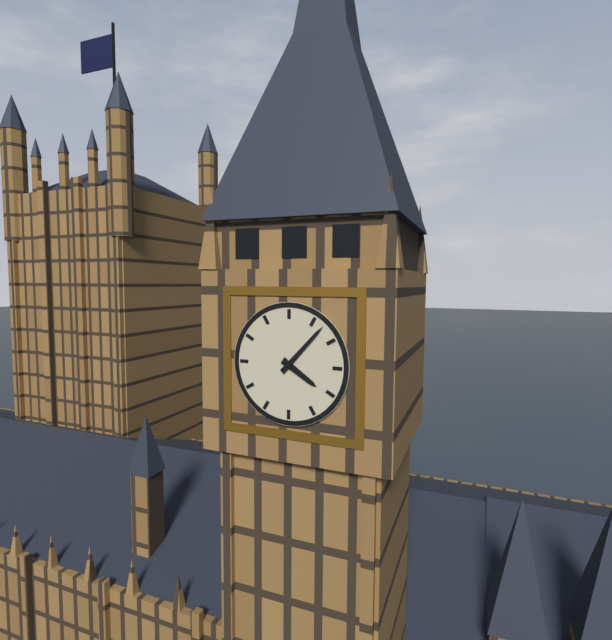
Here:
h=4 m=7
